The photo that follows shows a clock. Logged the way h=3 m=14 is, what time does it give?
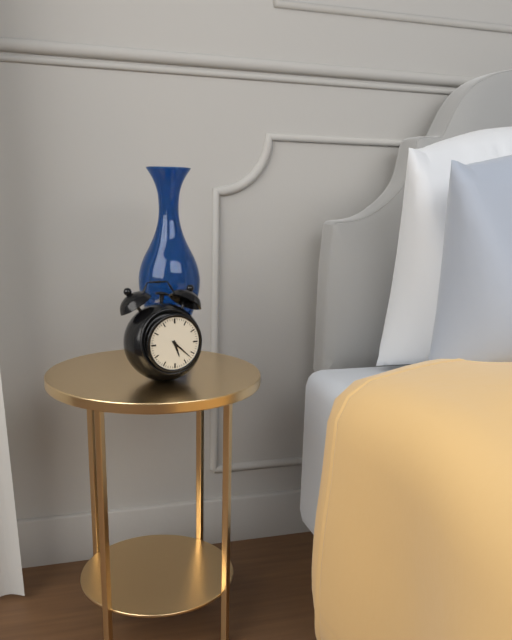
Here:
h=5 m=22
